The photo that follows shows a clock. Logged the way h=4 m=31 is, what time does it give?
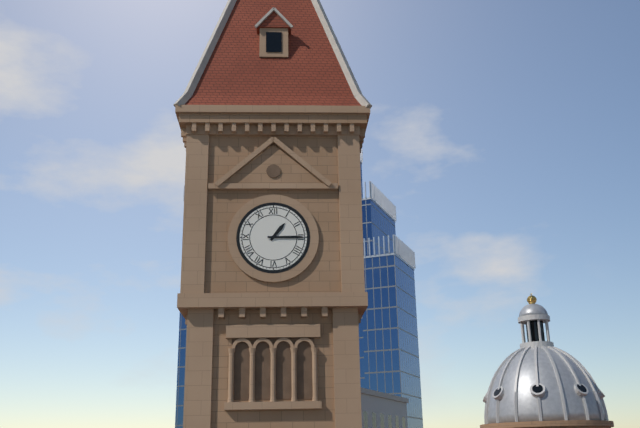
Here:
h=1 m=15
